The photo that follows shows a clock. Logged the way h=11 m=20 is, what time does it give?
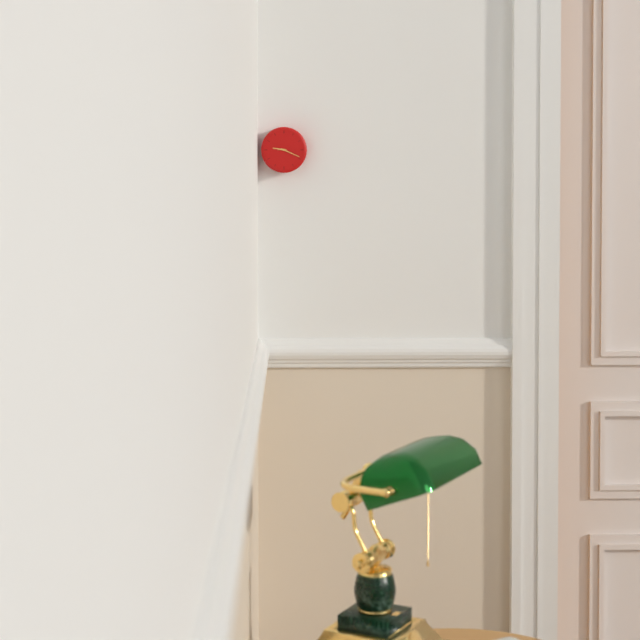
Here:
h=9 m=19
